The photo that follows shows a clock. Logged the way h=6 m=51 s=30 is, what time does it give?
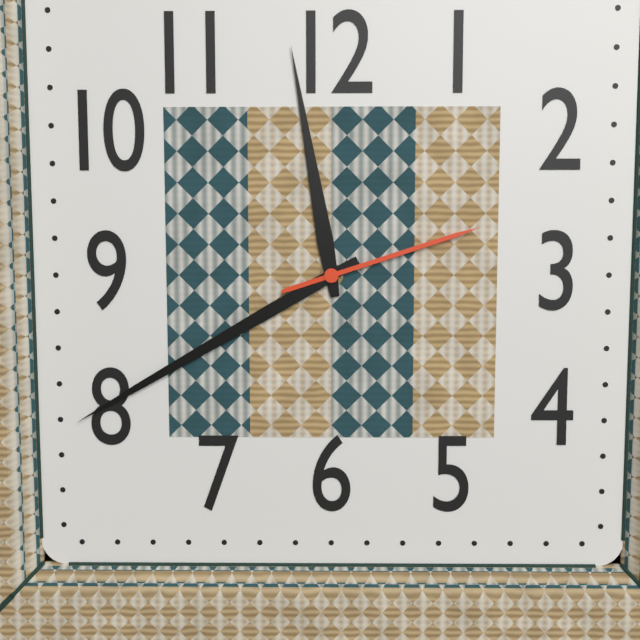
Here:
h=11 m=40 s=12
